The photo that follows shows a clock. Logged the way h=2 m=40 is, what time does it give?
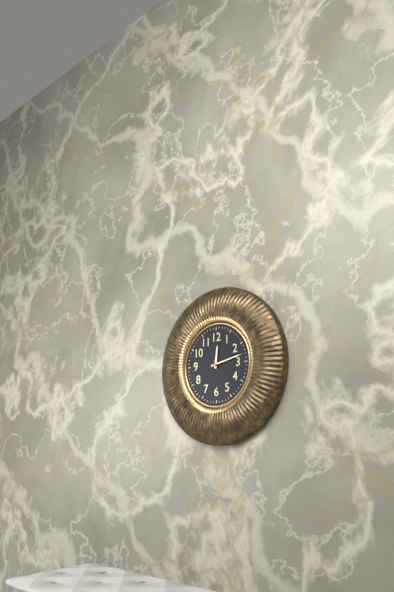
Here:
h=12 m=13
